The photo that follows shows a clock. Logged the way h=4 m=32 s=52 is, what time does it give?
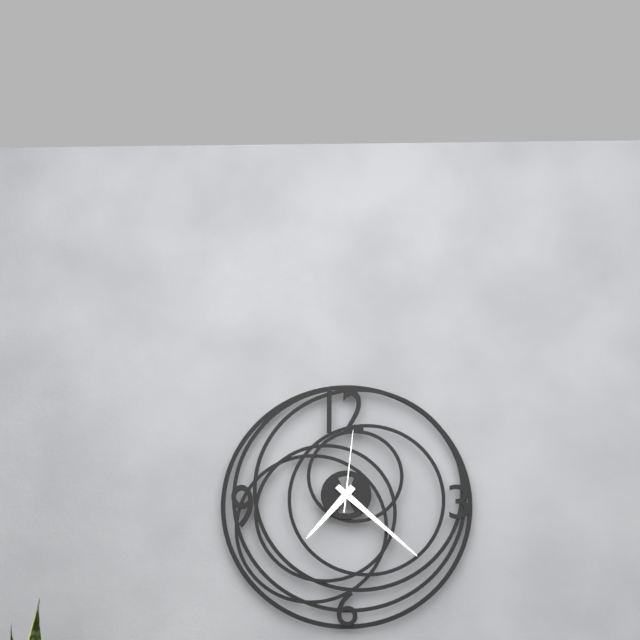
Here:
h=7 m=22 s=1
